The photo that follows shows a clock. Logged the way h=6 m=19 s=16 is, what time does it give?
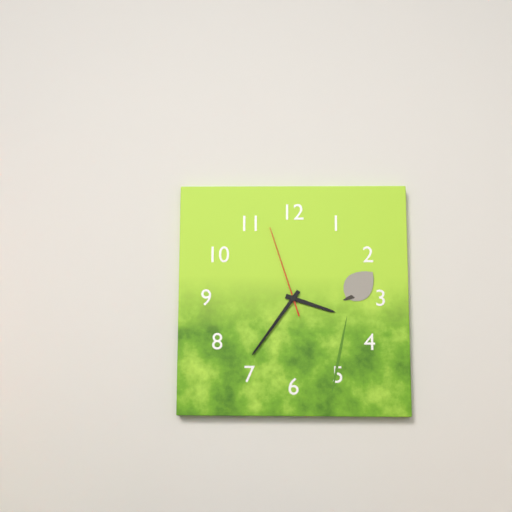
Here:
h=3 m=36 s=57
